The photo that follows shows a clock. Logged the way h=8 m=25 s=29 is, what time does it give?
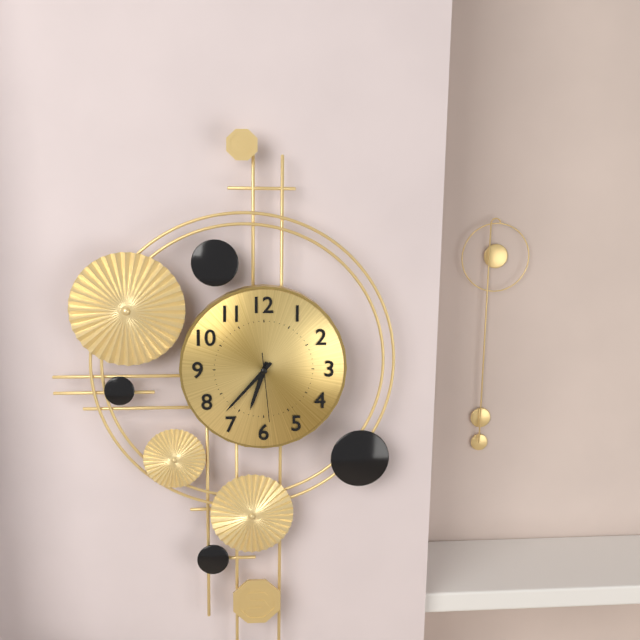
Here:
h=6 m=37 s=29
